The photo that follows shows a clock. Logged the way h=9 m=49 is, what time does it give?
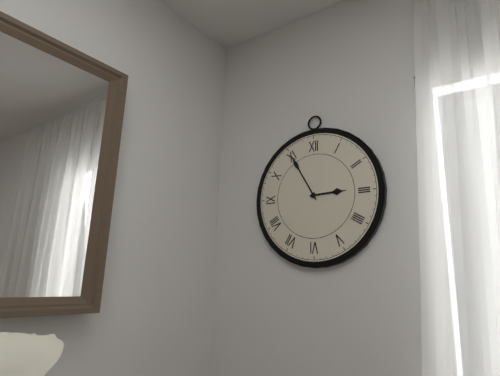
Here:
h=2 m=55
